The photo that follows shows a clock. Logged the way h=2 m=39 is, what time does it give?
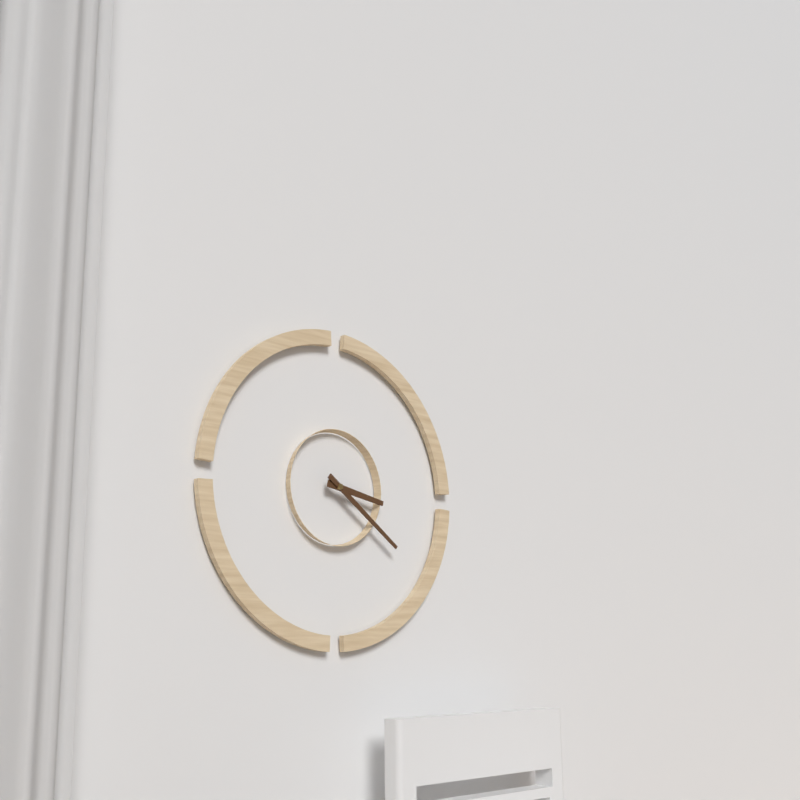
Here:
h=3 m=21
